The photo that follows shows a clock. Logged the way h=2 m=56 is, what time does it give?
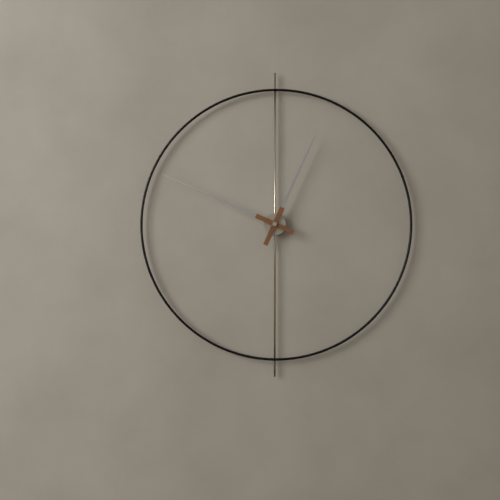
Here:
h=12 m=49
